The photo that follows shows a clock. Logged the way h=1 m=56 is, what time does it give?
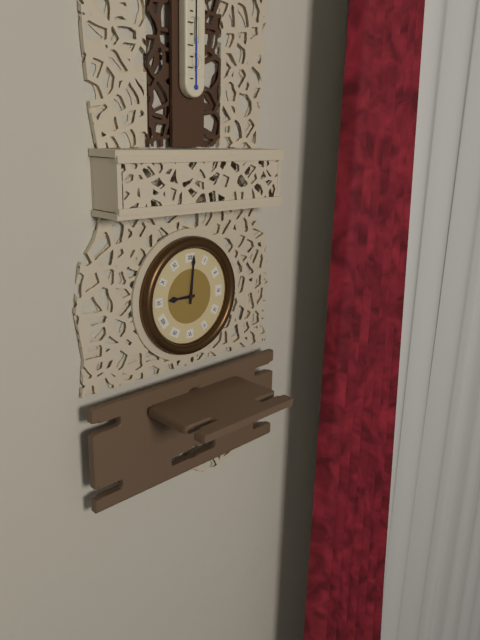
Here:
h=9 m=1
